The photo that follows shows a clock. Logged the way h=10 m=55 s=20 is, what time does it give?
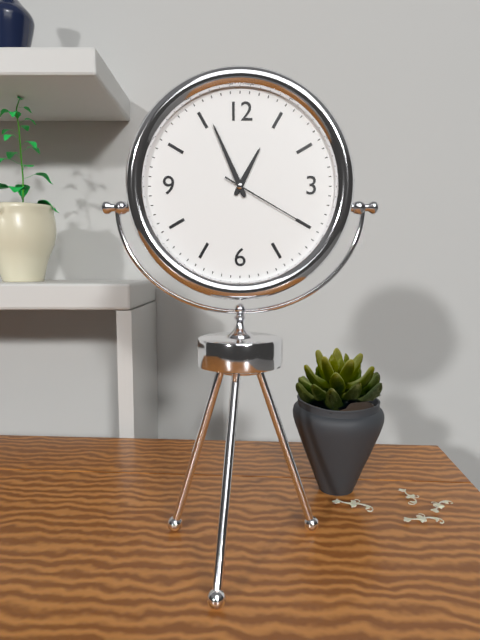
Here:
h=12 m=56 s=20
